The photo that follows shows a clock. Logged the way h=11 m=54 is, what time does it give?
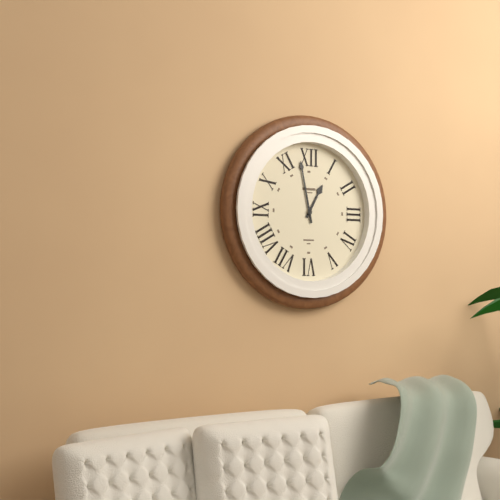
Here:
h=12 m=58
